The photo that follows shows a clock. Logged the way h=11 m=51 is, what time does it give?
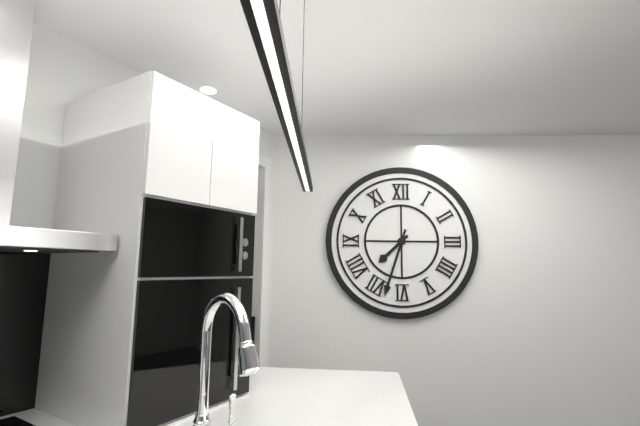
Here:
h=7 m=33
